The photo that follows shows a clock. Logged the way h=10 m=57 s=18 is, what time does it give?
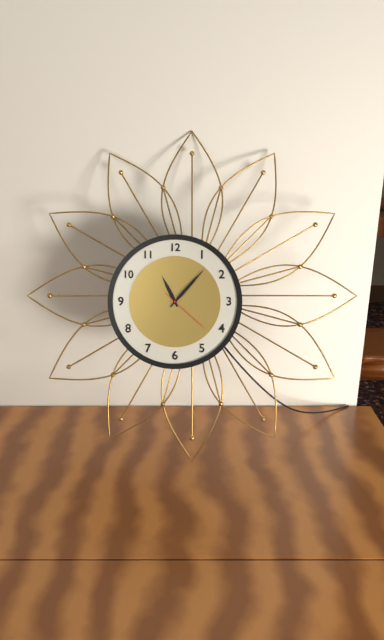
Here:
h=11 m=7 s=22
